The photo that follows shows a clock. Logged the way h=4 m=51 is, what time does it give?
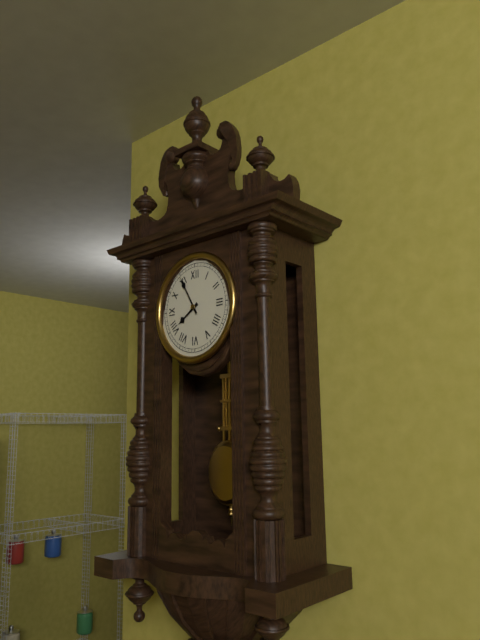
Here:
h=7 m=55
